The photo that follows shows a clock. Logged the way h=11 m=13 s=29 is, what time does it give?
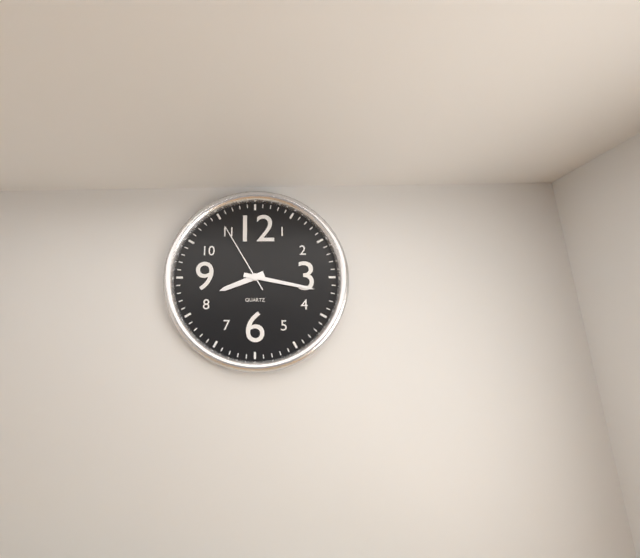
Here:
h=8 m=17 s=55
